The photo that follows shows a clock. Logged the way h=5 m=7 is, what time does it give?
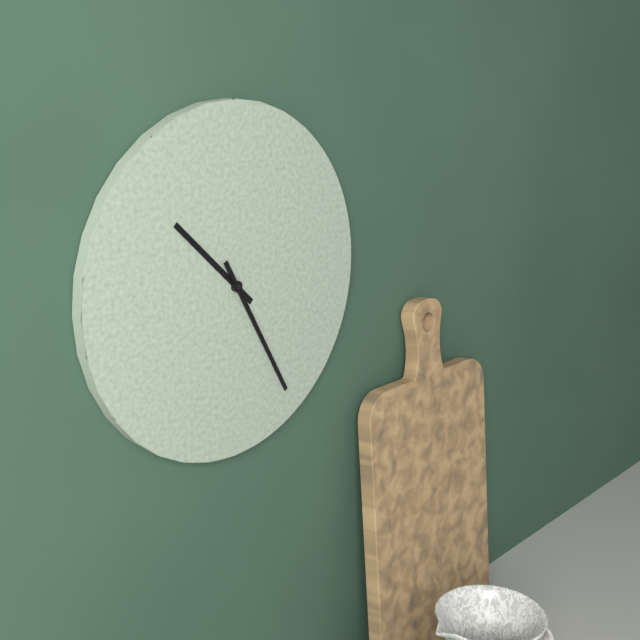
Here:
h=10 m=25
